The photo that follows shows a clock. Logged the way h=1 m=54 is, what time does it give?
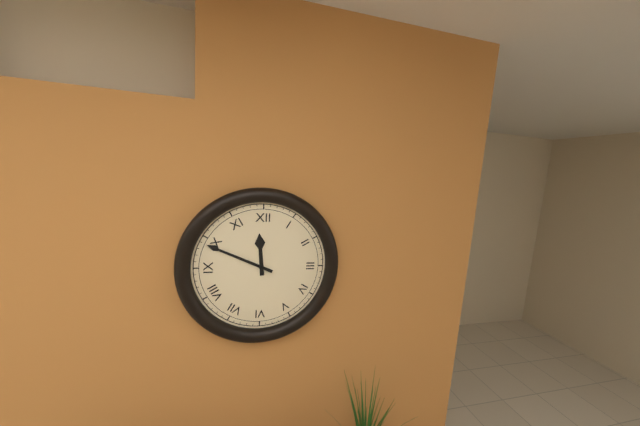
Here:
h=11 m=49
